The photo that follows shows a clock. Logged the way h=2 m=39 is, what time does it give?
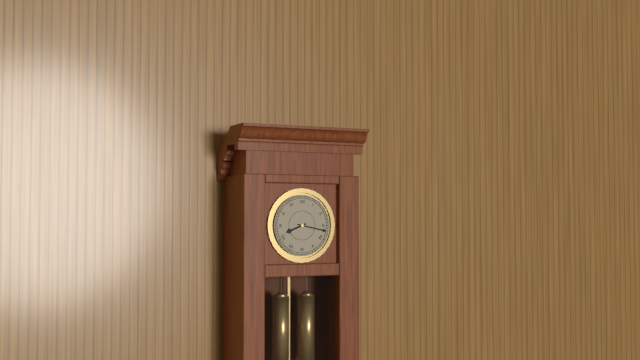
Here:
h=8 m=17
